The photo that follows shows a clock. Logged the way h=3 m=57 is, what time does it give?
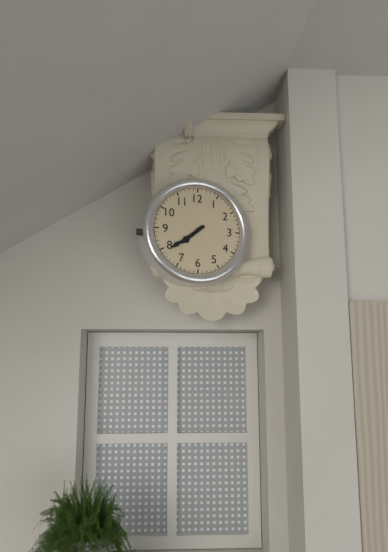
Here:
h=7 m=39
